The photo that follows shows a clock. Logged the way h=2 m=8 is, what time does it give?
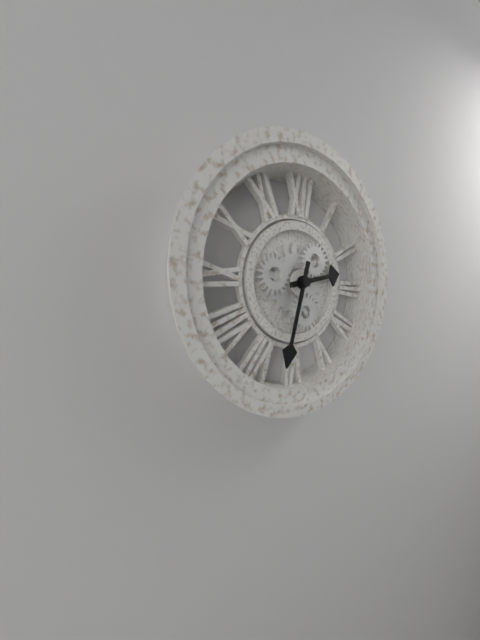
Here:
h=2 m=32
